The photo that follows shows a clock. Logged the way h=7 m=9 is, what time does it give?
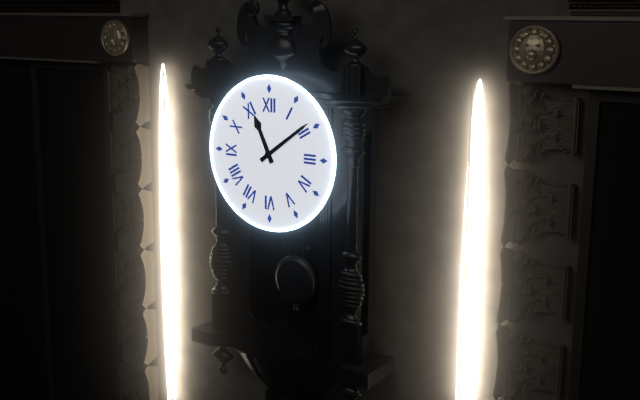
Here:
h=11 m=9
